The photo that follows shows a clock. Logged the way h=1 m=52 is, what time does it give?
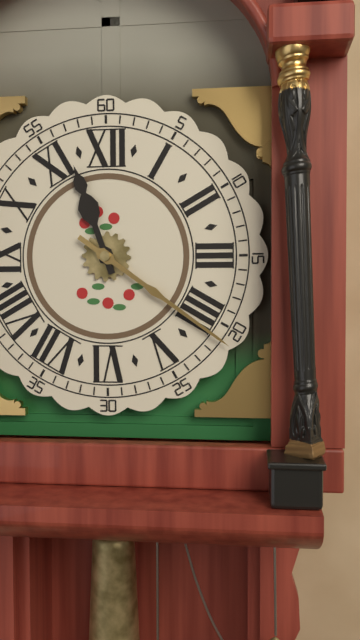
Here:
h=11 m=21
